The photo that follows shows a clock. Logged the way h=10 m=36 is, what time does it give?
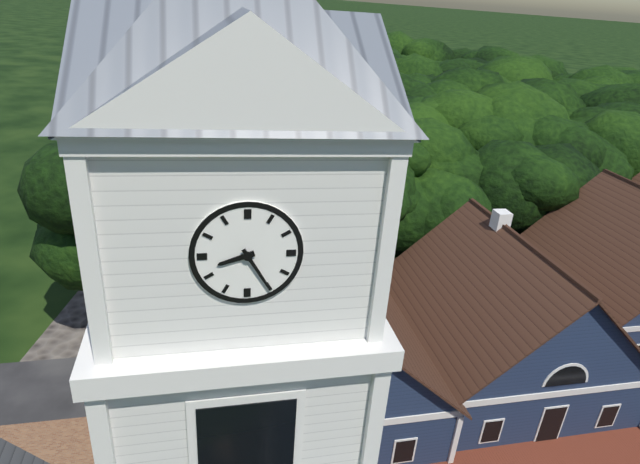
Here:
h=8 m=25
